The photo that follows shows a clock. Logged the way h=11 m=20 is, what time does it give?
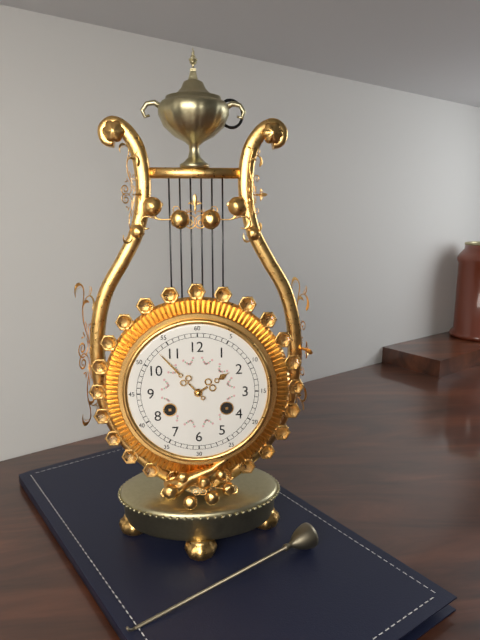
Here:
h=1 m=53
